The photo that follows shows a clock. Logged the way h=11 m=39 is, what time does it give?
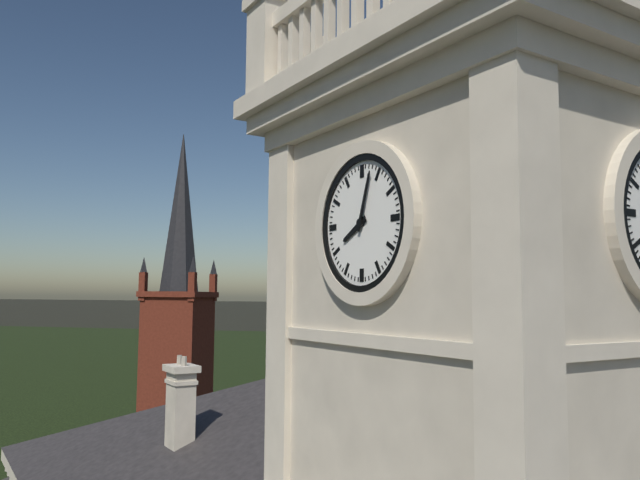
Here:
h=8 m=3
